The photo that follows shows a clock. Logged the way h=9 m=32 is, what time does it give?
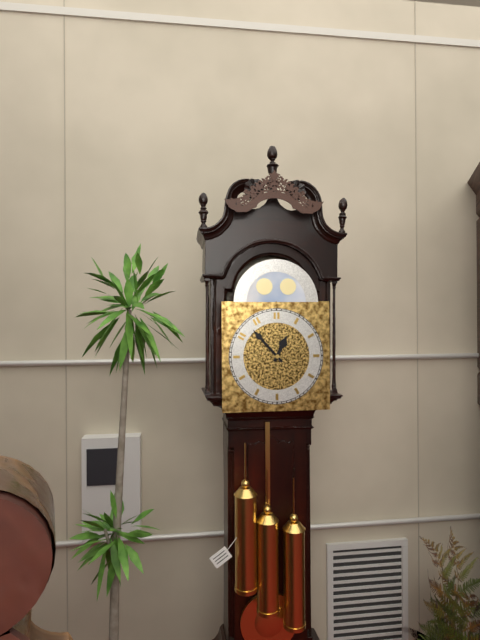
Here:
h=12 m=53
